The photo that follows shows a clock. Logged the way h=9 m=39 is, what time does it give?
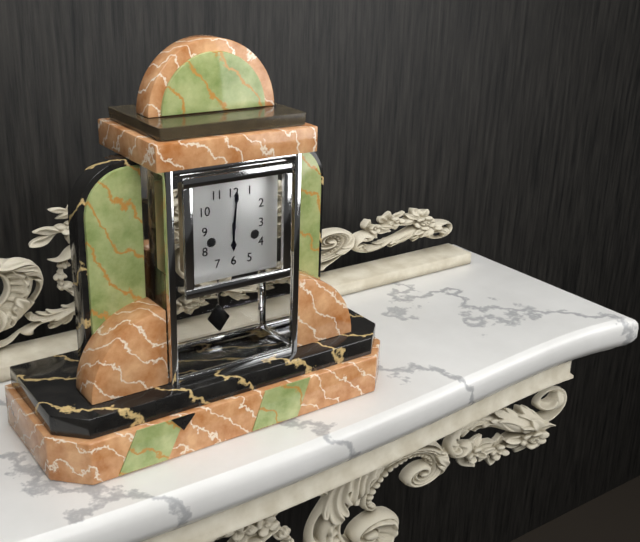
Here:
h=6 m=1
